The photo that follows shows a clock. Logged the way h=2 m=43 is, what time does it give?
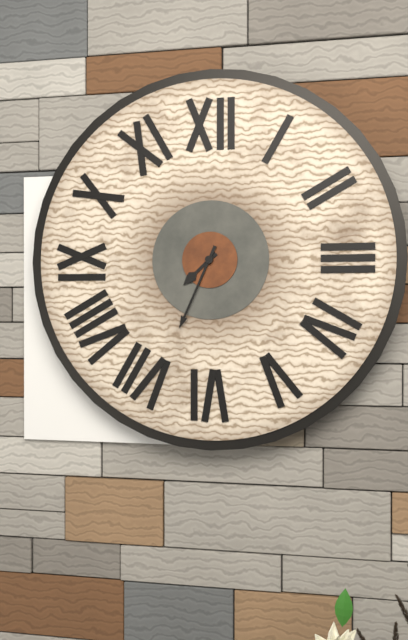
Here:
h=7 m=34
